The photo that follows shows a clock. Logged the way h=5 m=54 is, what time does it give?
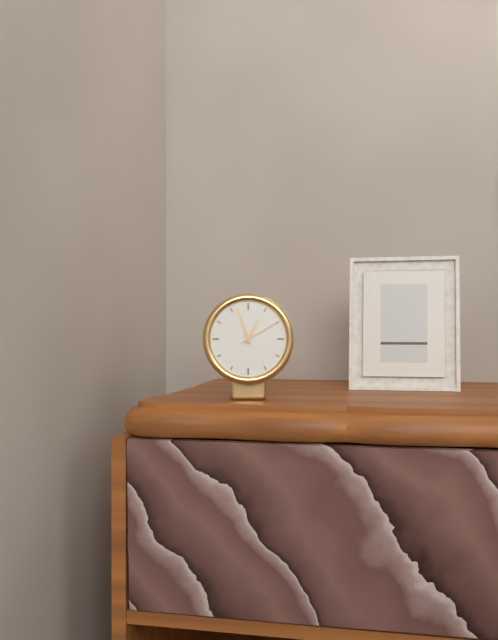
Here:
h=12 m=57
